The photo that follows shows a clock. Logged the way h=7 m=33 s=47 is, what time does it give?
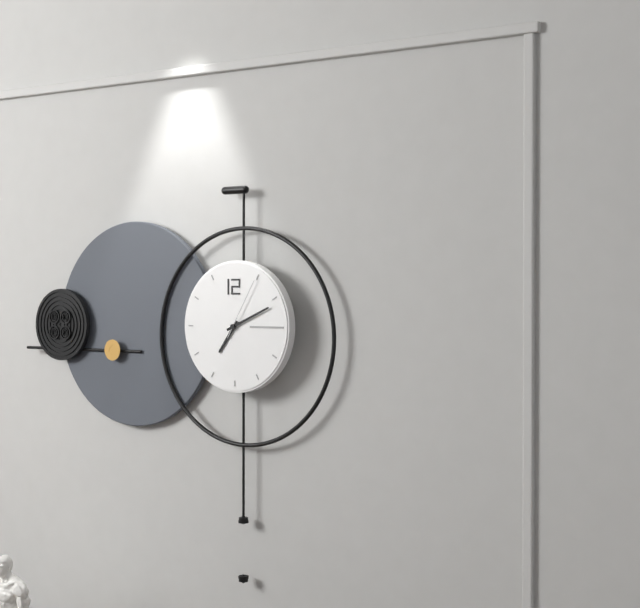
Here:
h=7 m=11 s=5
